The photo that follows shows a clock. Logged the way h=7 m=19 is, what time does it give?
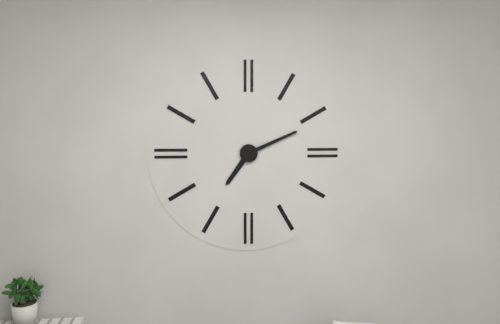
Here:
h=7 m=11
